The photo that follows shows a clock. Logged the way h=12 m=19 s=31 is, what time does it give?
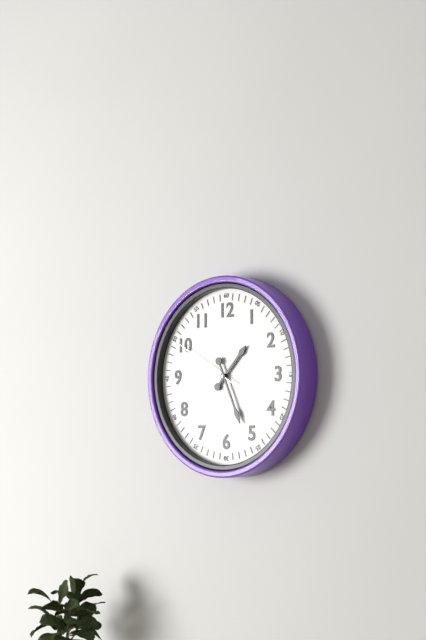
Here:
h=1 m=26 s=50
